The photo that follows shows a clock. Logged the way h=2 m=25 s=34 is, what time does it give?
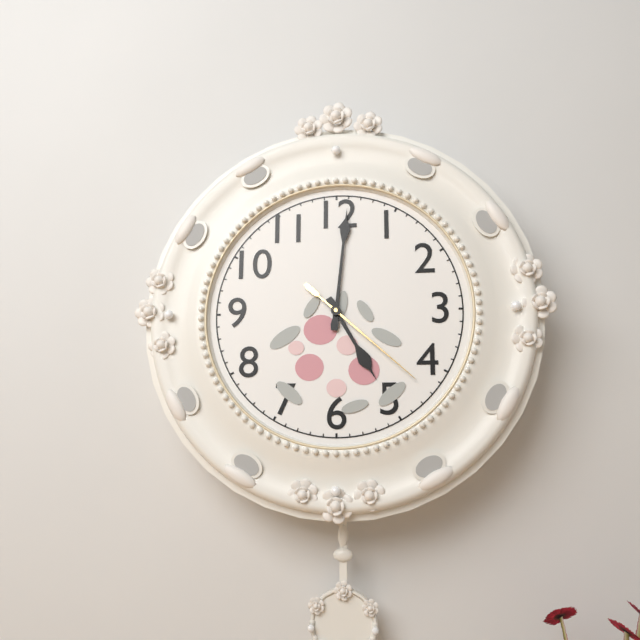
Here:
h=5 m=1 s=22
